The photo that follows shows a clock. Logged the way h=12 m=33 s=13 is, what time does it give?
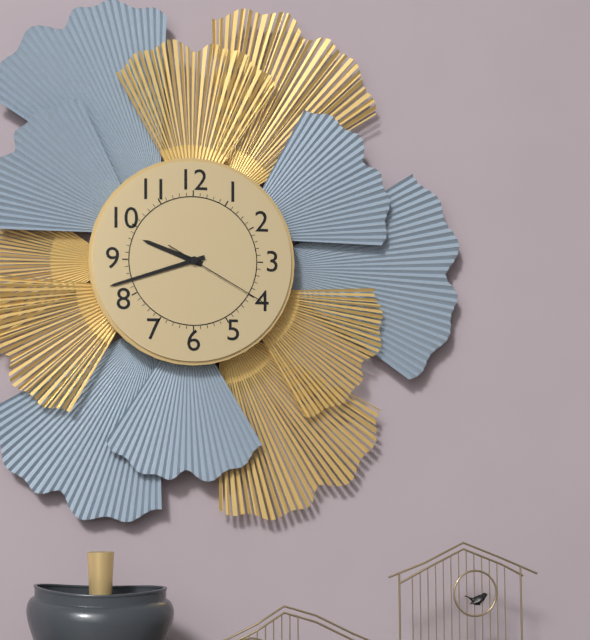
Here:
h=9 m=42 s=20
